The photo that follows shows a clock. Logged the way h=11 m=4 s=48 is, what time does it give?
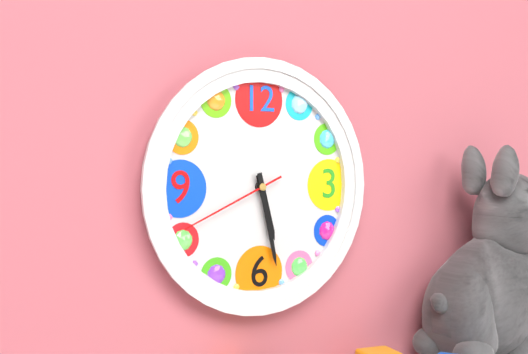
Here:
h=5 m=28 s=41
